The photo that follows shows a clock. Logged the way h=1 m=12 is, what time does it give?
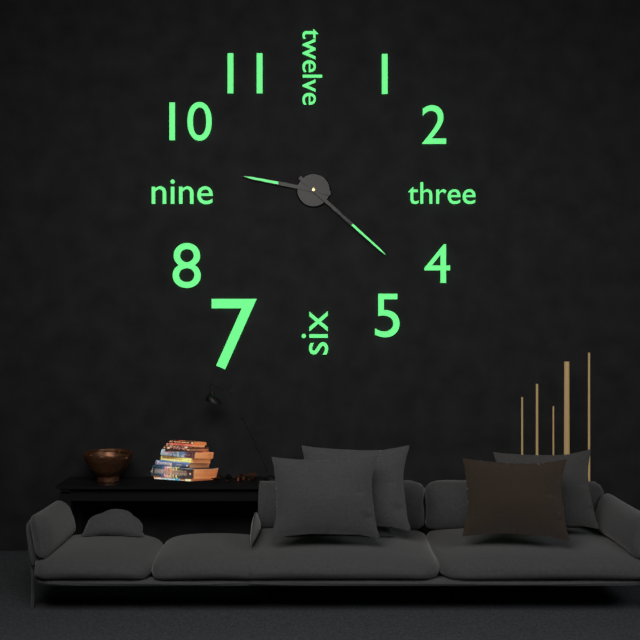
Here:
h=9 m=22
